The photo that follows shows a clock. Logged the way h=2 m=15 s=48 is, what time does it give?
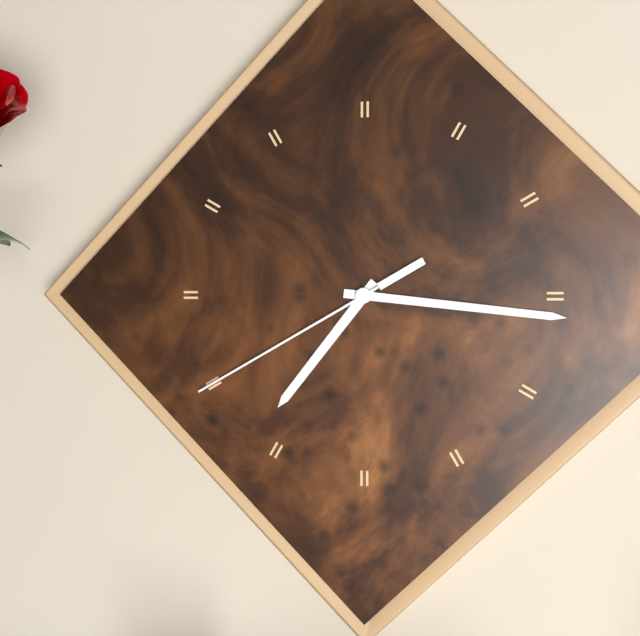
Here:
h=7 m=16 s=40
